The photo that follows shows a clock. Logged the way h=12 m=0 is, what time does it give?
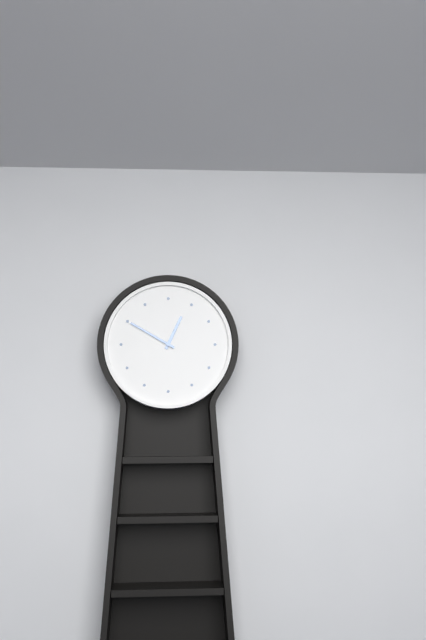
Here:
h=12 m=50
